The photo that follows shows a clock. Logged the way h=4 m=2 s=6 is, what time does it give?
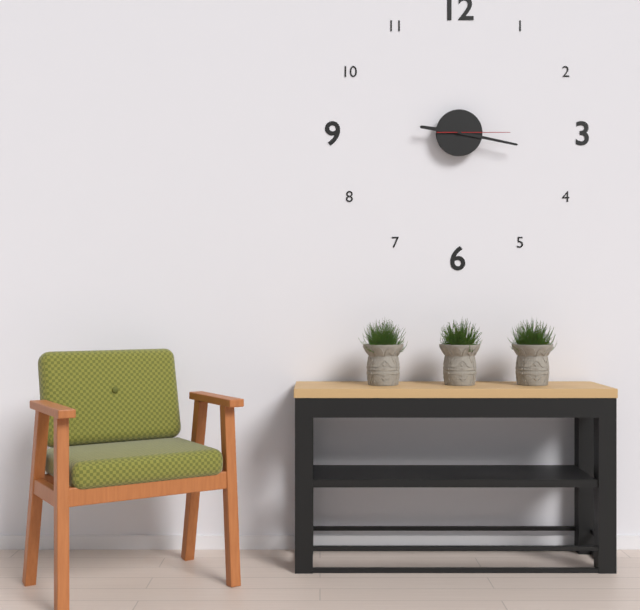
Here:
h=9 m=17 s=15
